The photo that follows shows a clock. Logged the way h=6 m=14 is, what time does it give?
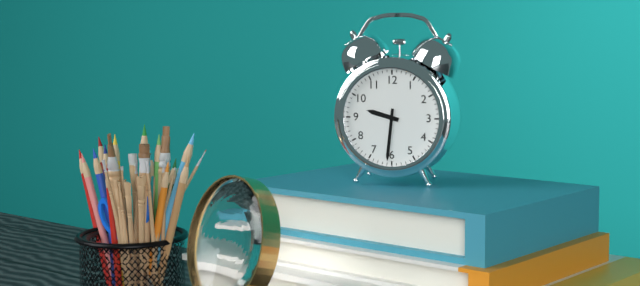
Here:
h=9 m=31
